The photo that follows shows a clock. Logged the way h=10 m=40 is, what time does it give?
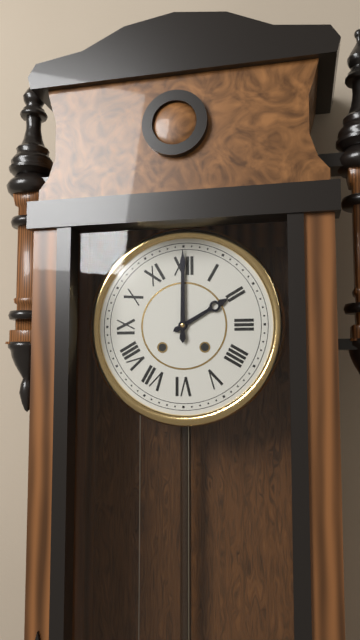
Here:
h=2 m=0
